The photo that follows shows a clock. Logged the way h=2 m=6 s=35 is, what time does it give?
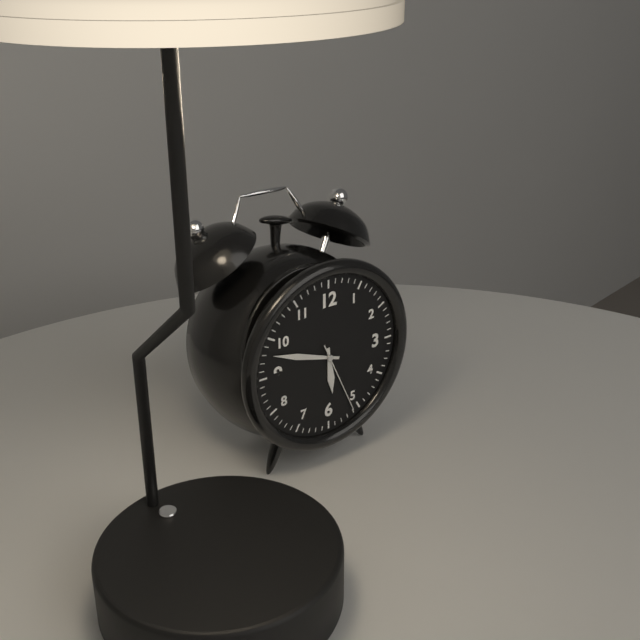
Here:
h=5 m=48 s=26
